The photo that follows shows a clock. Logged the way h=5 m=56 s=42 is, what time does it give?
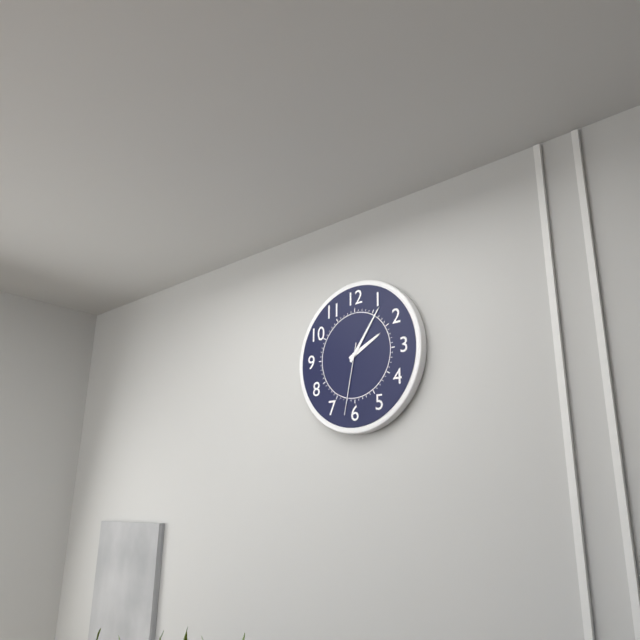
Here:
h=2 m=6 s=32
